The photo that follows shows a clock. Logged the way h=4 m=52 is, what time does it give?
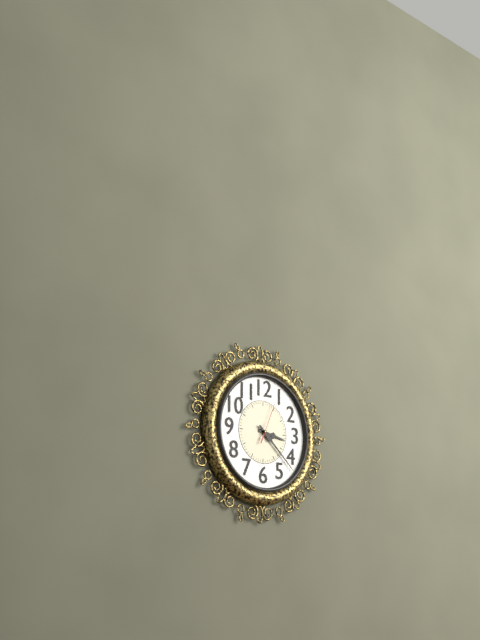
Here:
h=3 m=22
